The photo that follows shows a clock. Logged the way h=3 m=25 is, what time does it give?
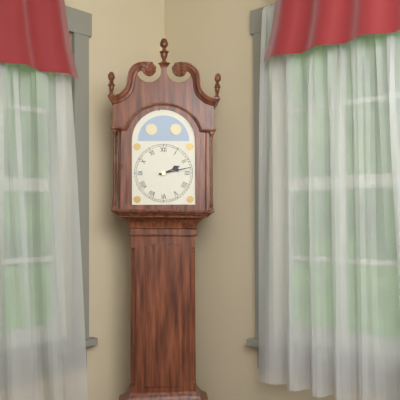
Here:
h=2 m=13
